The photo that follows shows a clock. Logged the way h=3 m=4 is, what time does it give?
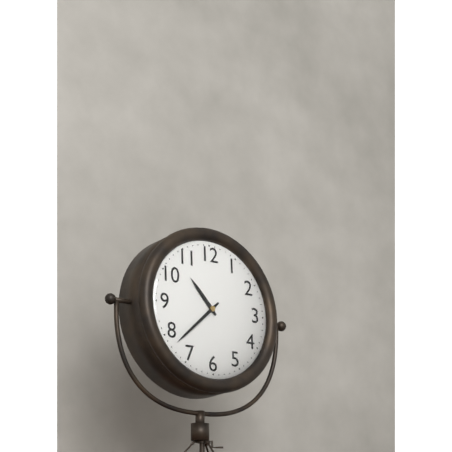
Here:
h=10 m=38
